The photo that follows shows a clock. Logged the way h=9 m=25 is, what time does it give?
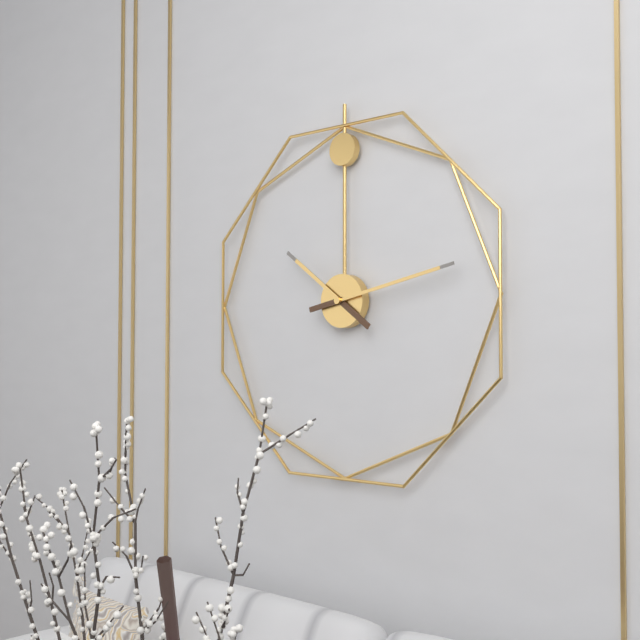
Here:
h=10 m=13
